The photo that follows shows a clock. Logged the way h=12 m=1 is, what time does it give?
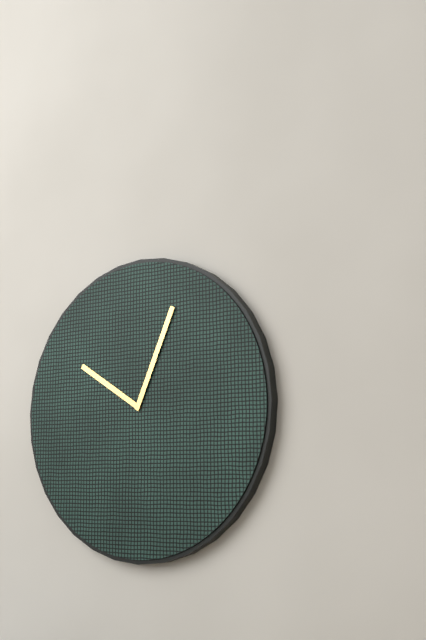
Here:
h=10 m=4
